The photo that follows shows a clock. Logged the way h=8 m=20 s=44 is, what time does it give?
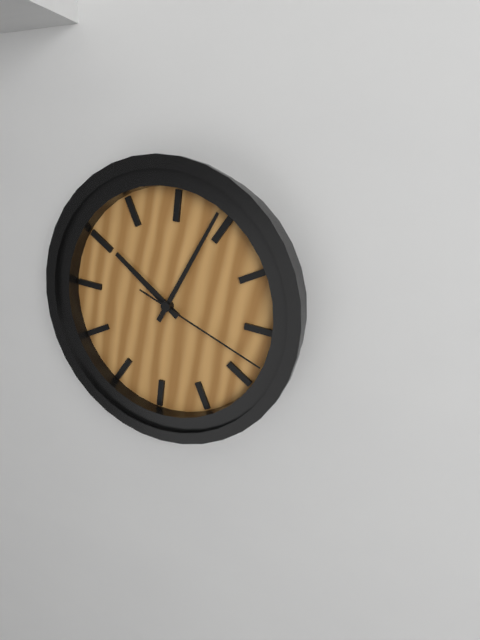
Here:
h=10 m=4 s=18
